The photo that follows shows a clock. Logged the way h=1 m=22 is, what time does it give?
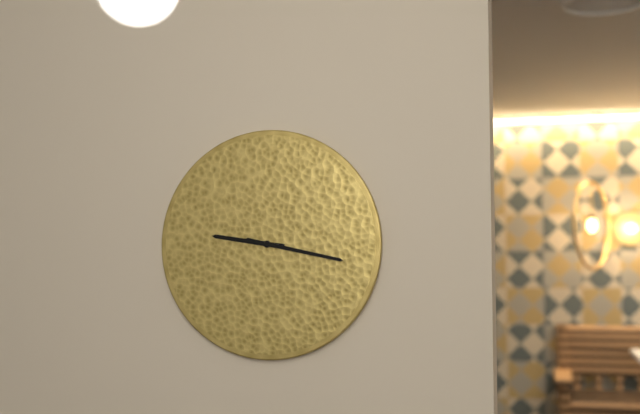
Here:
h=9 m=17
